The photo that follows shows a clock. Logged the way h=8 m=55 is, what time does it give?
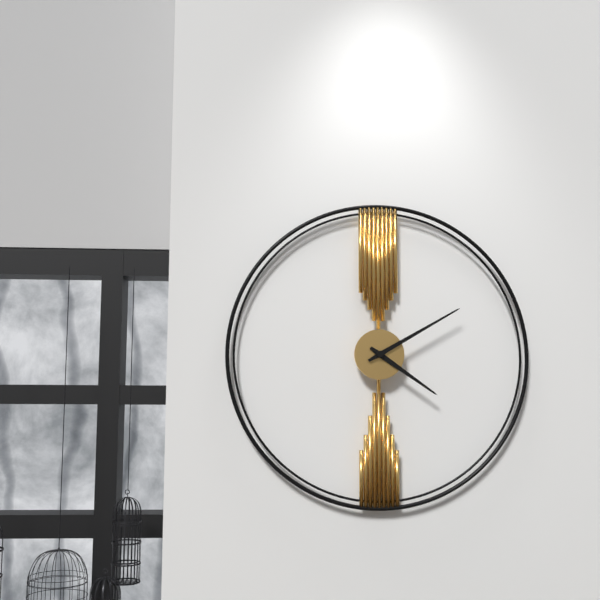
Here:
h=4 m=10
